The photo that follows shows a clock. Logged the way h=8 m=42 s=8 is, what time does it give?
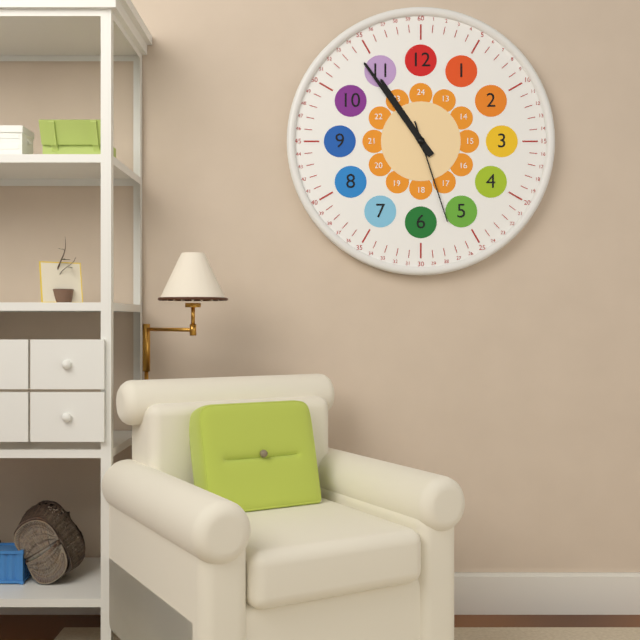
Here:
h=10 m=54 s=27
